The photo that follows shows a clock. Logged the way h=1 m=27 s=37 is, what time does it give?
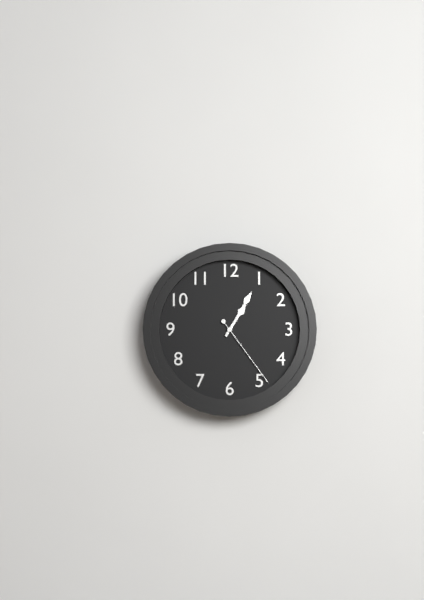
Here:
h=1 m=5 s=24
